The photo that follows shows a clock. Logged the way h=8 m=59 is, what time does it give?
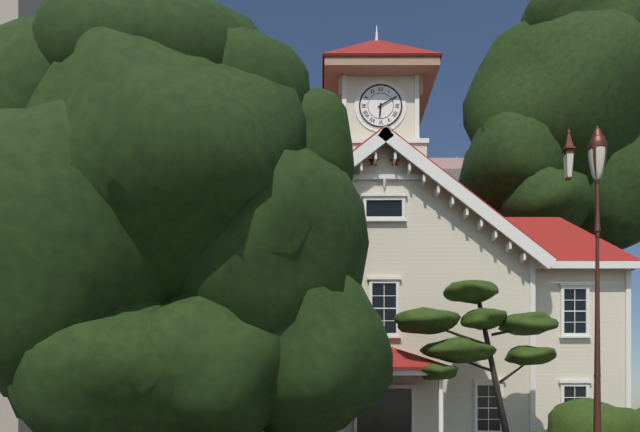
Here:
h=6 m=10
